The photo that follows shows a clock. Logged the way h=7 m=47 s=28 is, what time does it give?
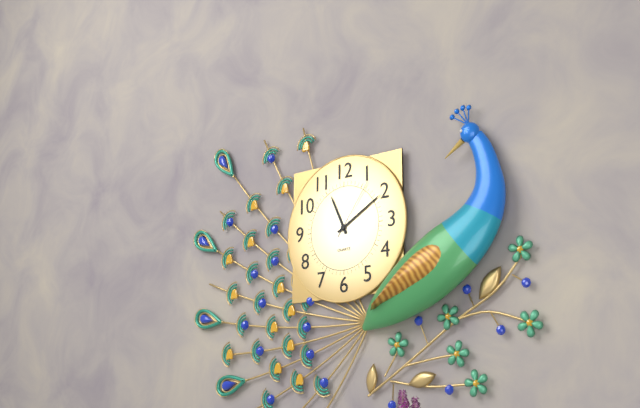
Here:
h=11 m=10 s=6
